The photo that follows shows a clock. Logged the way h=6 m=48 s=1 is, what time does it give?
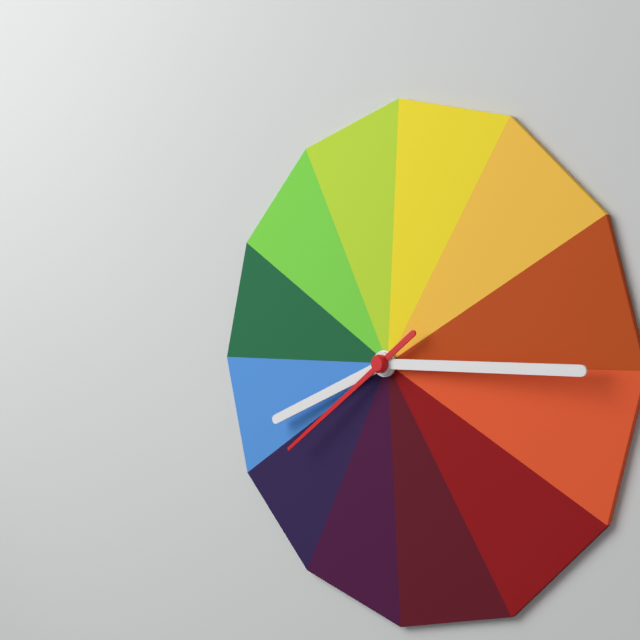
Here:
h=8 m=15 s=39
